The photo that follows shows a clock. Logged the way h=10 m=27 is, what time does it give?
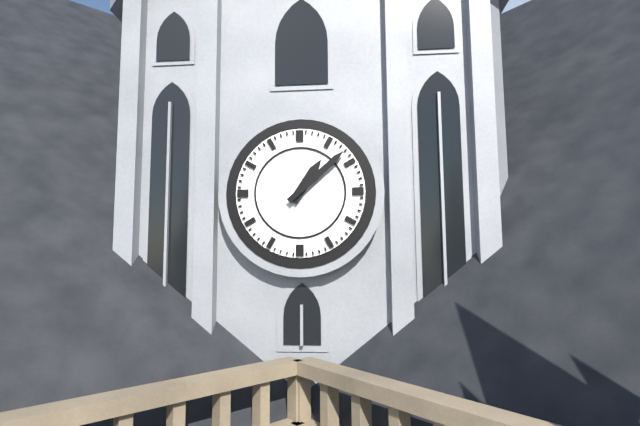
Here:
h=1 m=8
